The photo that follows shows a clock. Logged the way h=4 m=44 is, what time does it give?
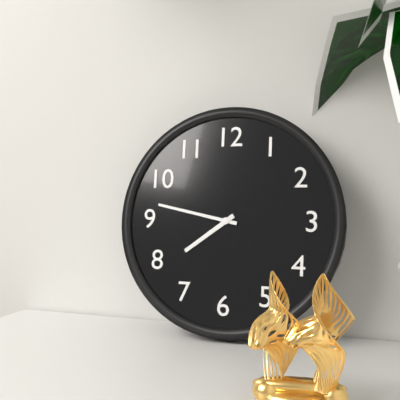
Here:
h=7 m=47
